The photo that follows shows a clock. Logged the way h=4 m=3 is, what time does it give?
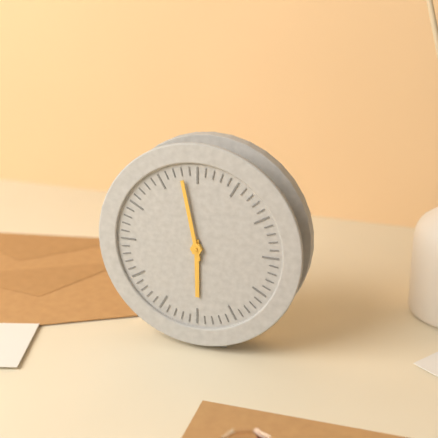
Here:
h=5 m=58
